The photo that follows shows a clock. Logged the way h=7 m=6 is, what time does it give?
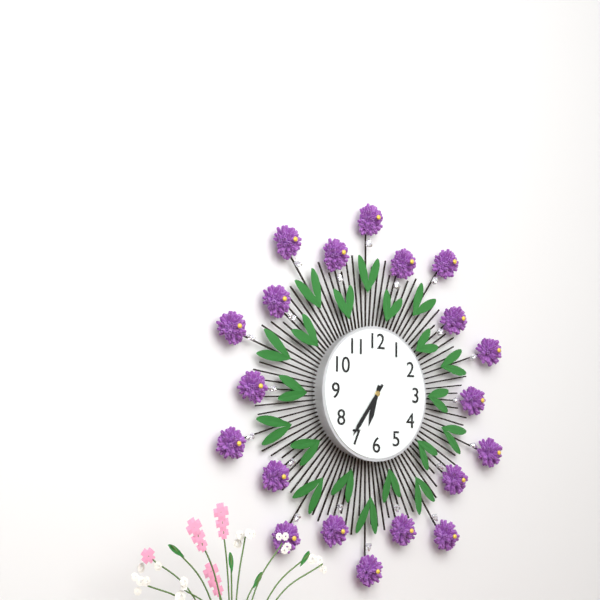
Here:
h=6 m=36
